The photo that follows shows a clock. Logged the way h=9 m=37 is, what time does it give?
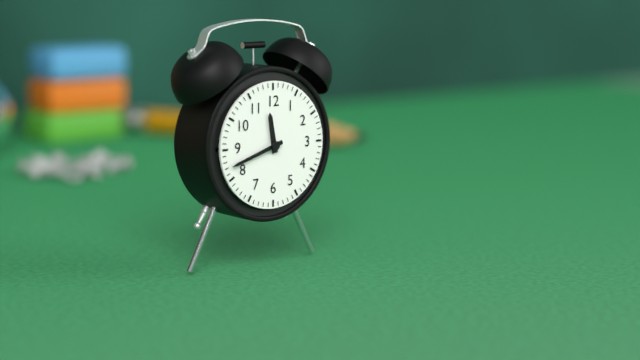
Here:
h=11 m=42
